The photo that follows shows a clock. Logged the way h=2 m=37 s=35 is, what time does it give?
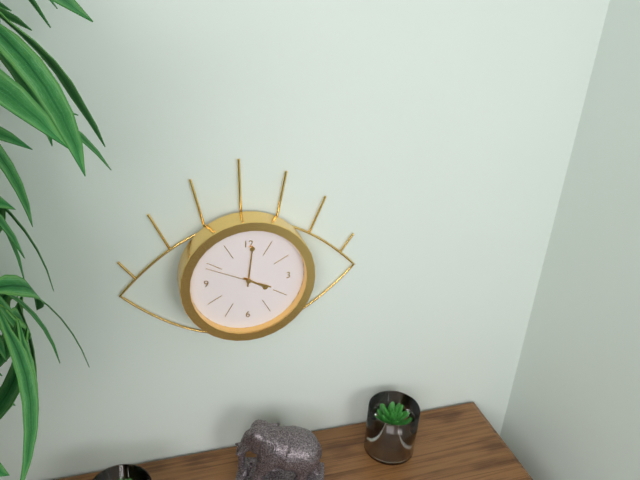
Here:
h=4 m=1 s=49
